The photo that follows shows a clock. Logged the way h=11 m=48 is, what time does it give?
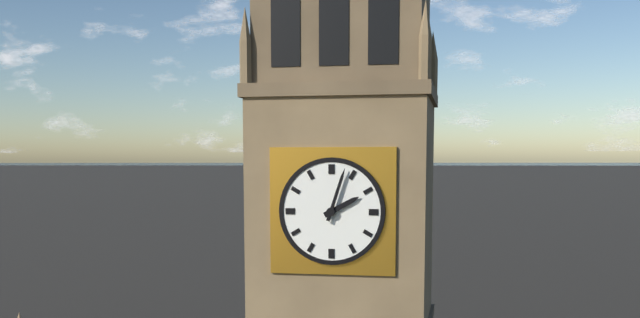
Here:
h=2 m=3
